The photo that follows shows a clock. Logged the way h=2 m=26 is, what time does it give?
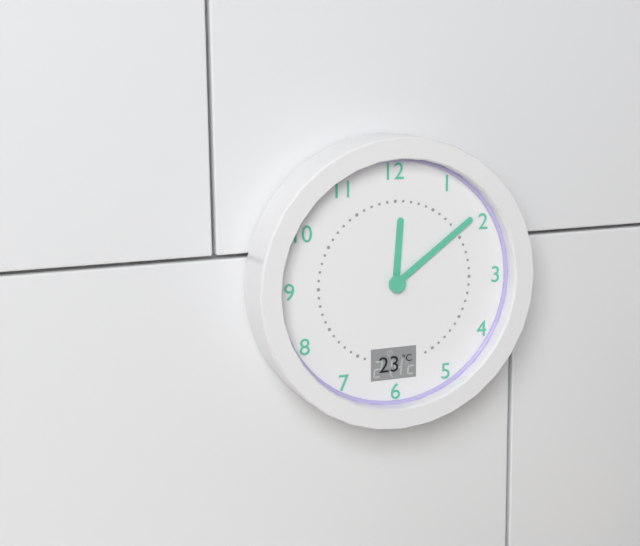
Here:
h=12 m=9
